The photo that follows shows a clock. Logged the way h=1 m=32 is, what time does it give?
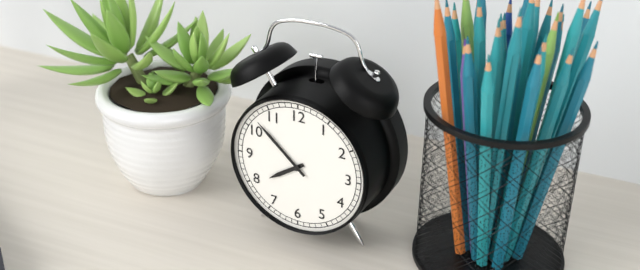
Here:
h=7 m=52
